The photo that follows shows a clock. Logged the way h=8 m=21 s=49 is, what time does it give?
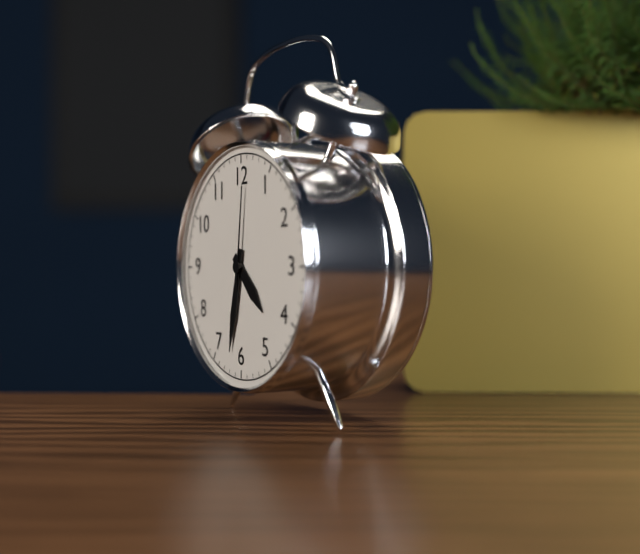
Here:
h=4 m=32 s=1
